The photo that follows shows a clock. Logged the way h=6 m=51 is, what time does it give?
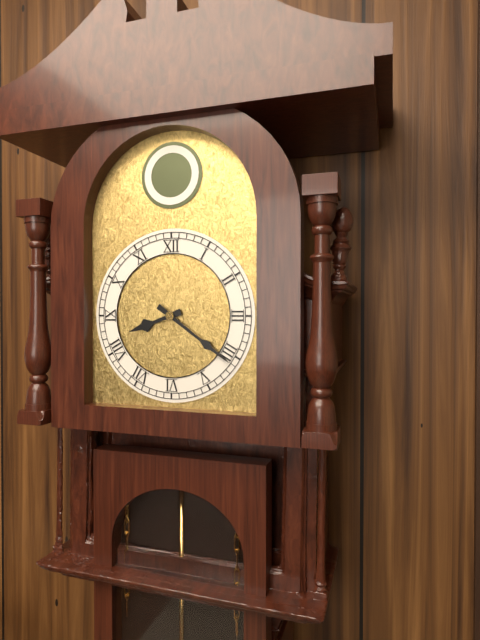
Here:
h=8 m=21
